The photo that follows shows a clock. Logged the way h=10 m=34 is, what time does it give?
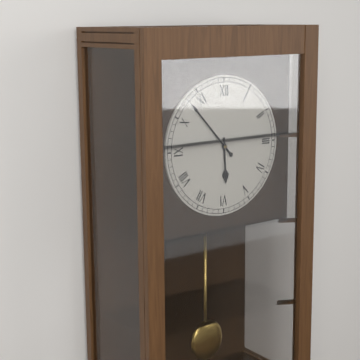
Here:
h=5 m=53
